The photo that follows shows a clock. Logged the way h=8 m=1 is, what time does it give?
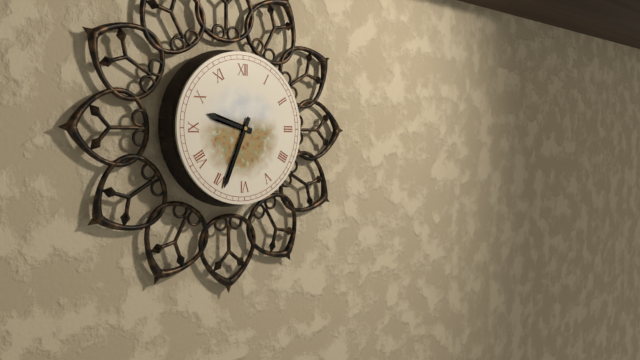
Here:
h=9 m=34
